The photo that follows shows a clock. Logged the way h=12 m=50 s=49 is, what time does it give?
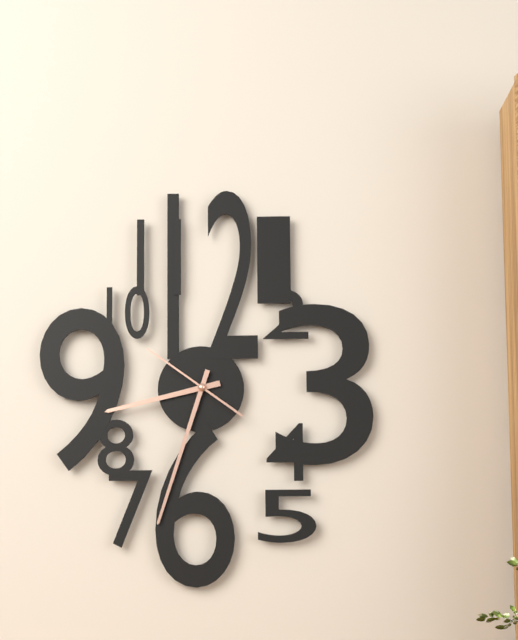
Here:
h=8 m=33 s=51
